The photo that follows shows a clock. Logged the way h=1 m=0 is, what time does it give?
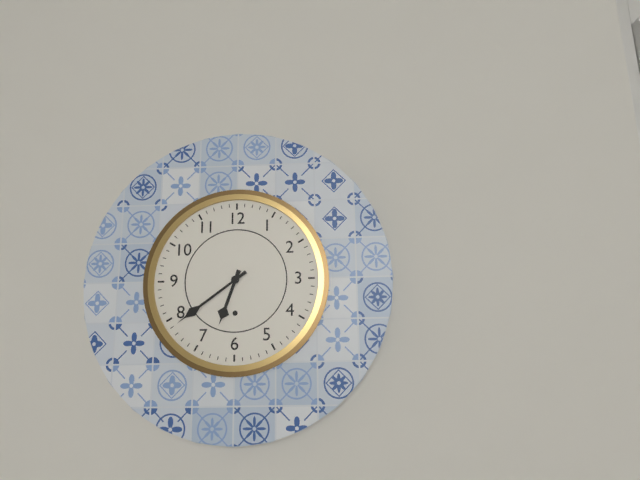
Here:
h=6 m=39
